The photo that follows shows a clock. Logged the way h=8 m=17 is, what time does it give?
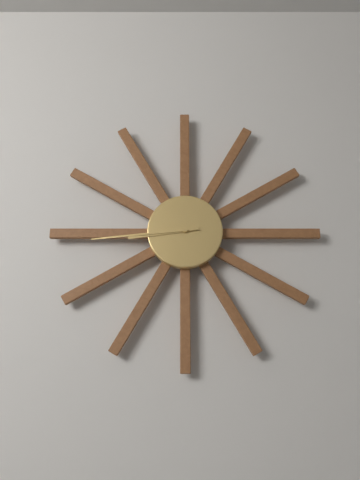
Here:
h=8 m=44
